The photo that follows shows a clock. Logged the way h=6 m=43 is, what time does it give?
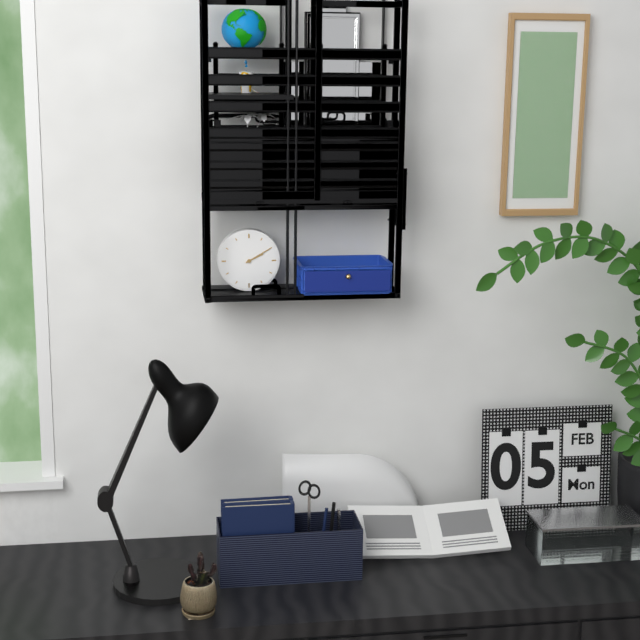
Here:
h=2 m=10
